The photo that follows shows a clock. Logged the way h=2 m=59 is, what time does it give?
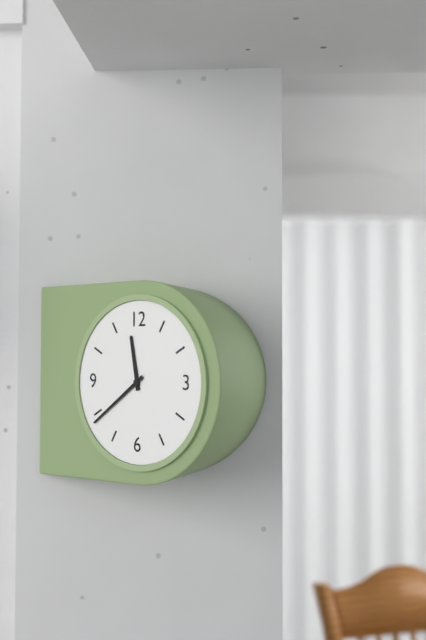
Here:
h=11 m=39
